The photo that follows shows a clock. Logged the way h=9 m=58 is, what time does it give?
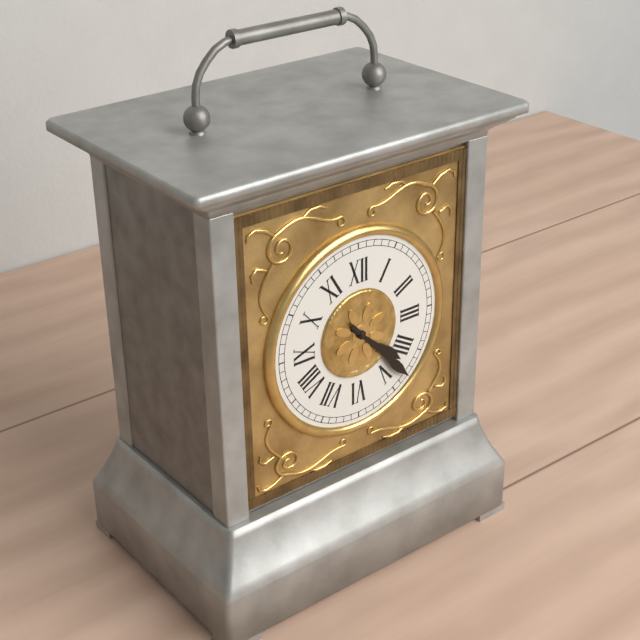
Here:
h=4 m=23
